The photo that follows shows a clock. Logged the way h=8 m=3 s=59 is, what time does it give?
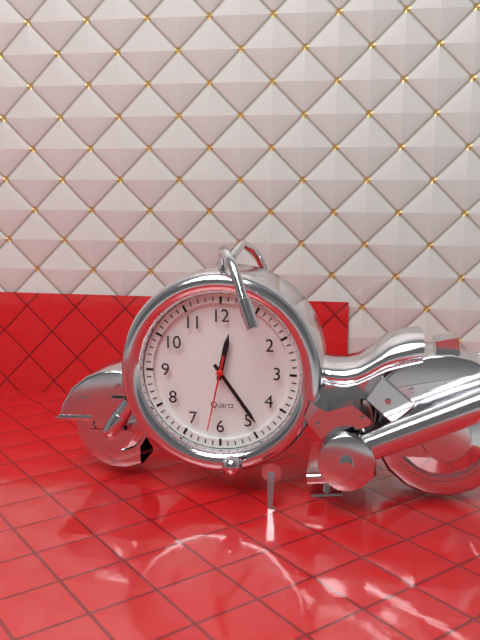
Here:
h=12 m=24 s=32
